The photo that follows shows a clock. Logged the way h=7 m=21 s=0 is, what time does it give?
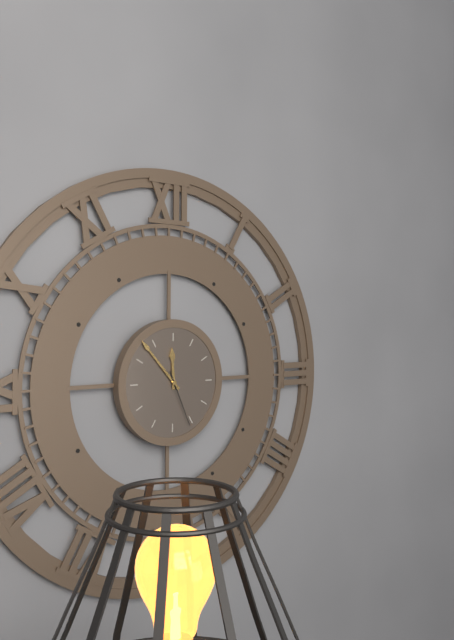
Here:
h=11 m=53 s=26
